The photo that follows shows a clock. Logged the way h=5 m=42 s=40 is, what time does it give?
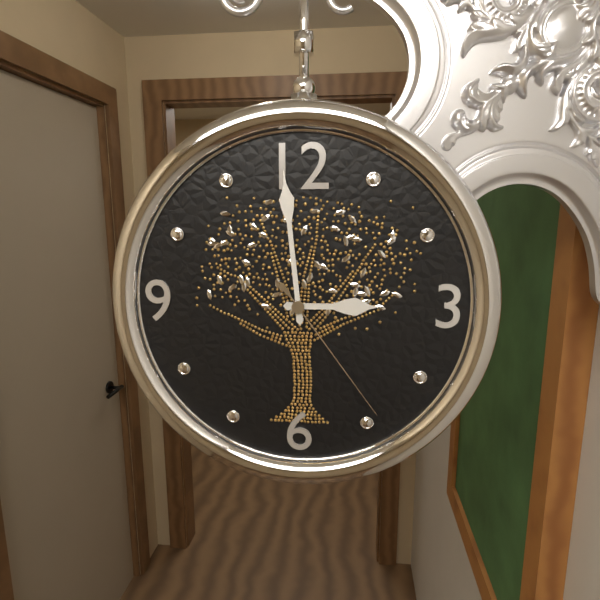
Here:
h=2 m=59 s=24
